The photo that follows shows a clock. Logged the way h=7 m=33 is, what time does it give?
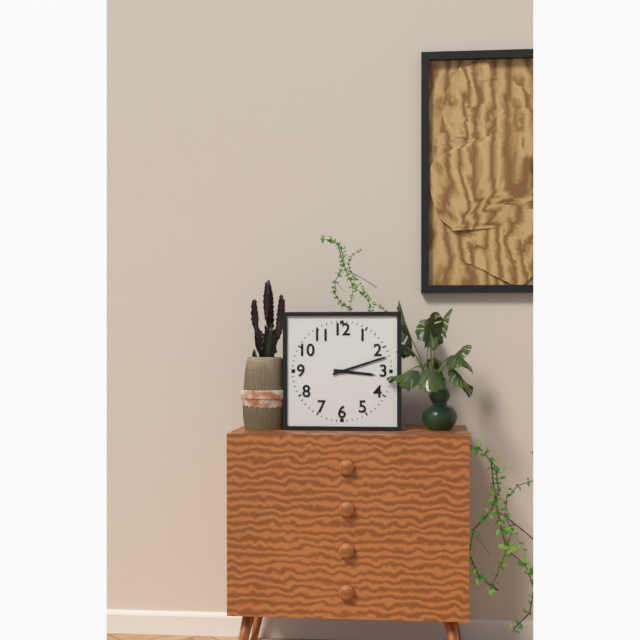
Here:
h=3 m=12
